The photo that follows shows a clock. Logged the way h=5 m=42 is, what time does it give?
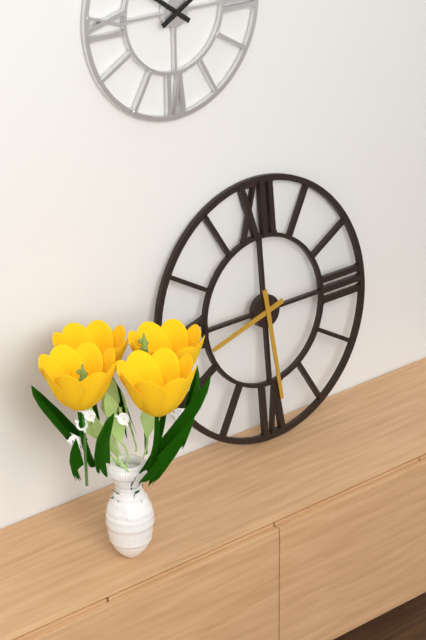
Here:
h=8 m=29
